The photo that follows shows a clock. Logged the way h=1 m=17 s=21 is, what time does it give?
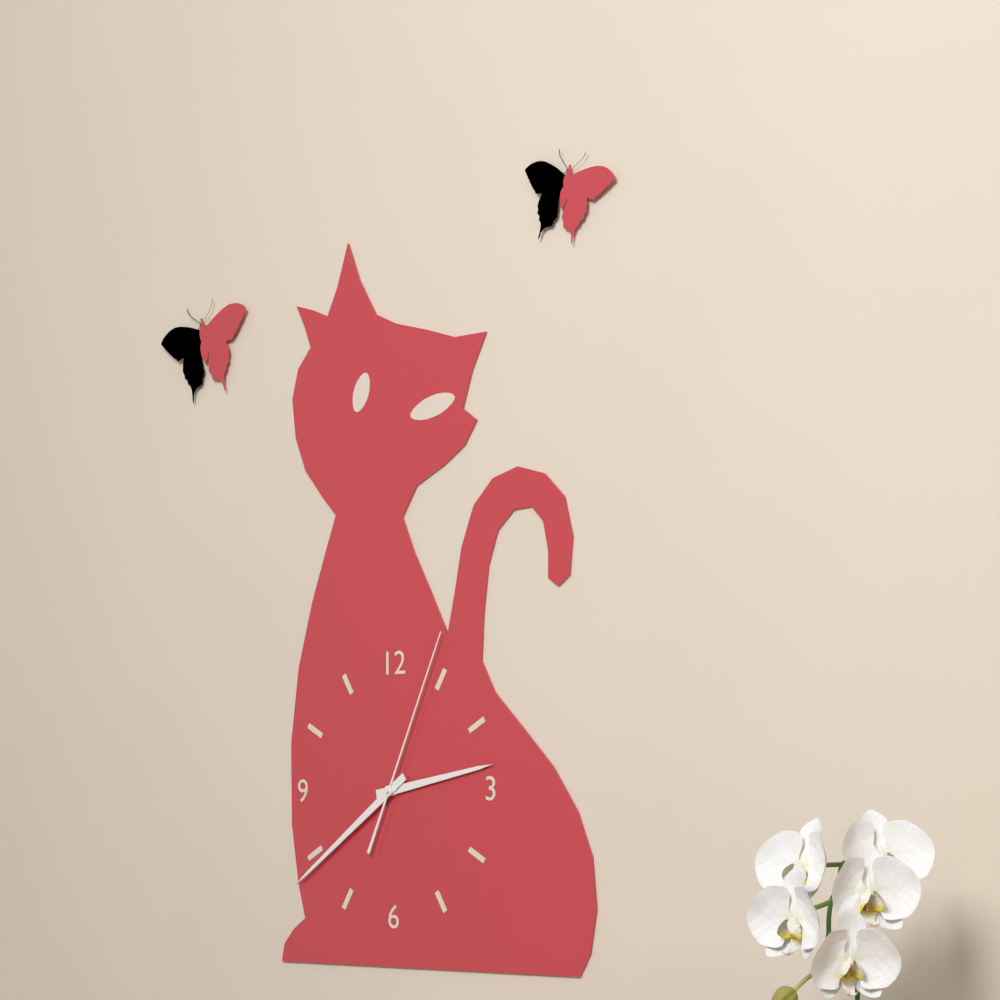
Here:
h=2 m=39 s=4
